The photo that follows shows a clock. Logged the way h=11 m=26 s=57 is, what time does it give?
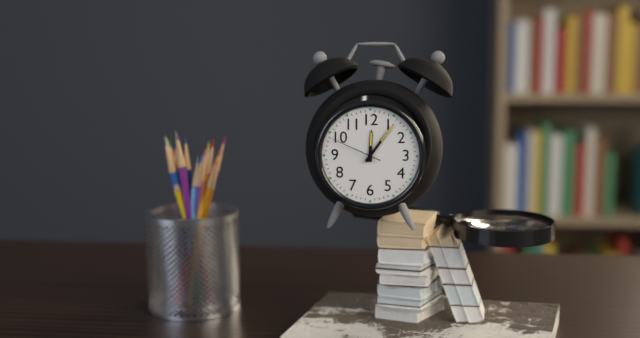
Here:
h=12 m=6 s=49
